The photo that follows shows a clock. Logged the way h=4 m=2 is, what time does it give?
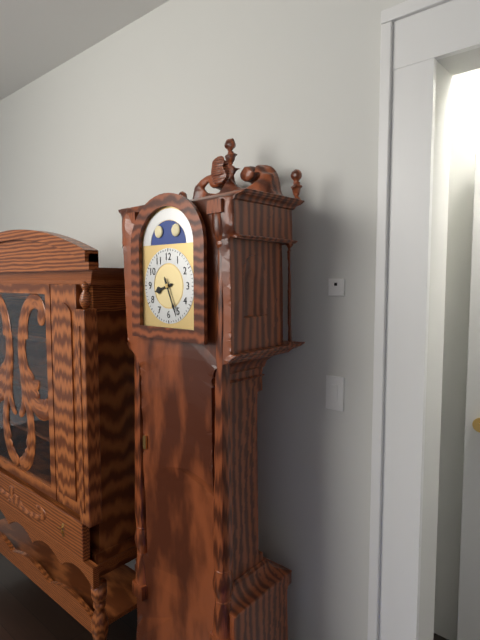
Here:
h=8 m=26
